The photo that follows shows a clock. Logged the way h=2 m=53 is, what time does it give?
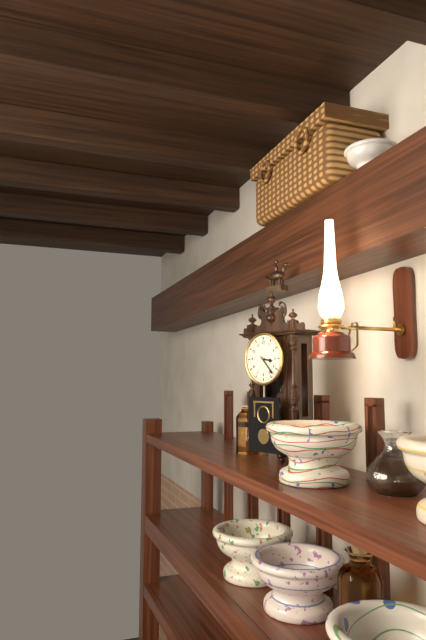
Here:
h=3 m=23
